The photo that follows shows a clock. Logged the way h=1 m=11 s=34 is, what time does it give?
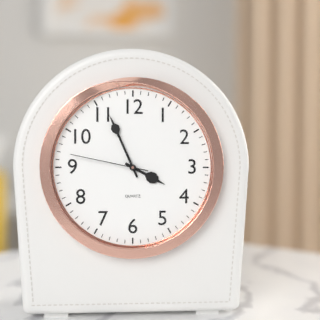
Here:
h=3 m=56 s=47
